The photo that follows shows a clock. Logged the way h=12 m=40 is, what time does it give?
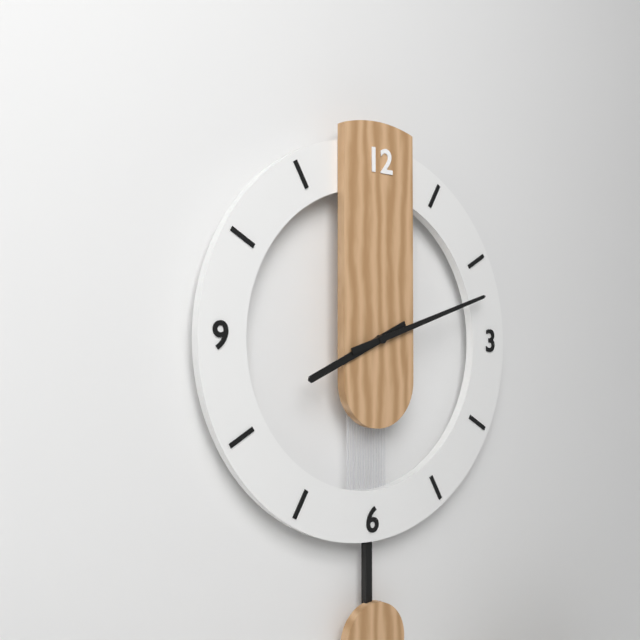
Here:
h=8 m=12
